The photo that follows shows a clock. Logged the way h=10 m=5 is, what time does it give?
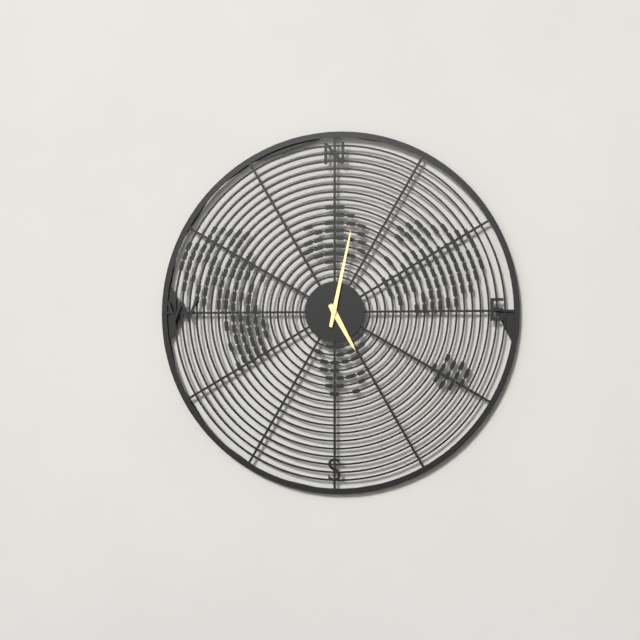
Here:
h=5 m=2
